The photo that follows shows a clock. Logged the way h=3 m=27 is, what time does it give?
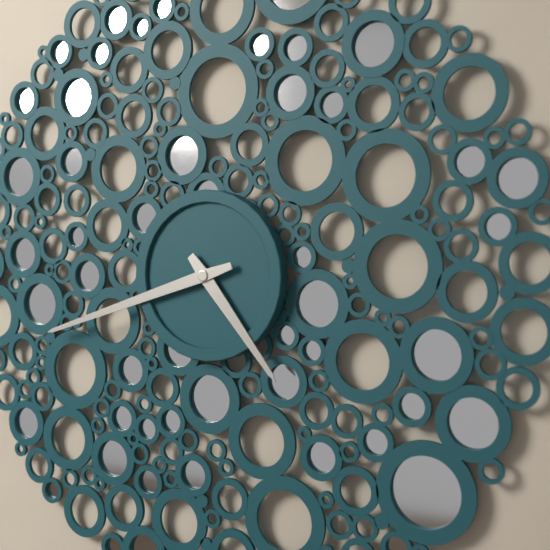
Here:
h=4 m=42
